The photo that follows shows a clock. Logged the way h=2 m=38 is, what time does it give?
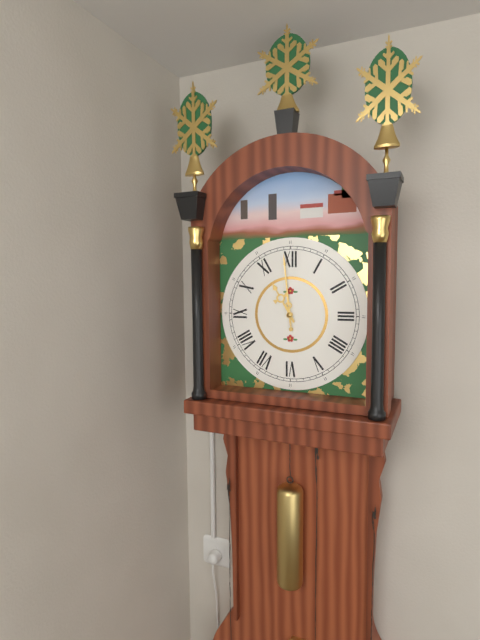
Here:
h=10 m=59
